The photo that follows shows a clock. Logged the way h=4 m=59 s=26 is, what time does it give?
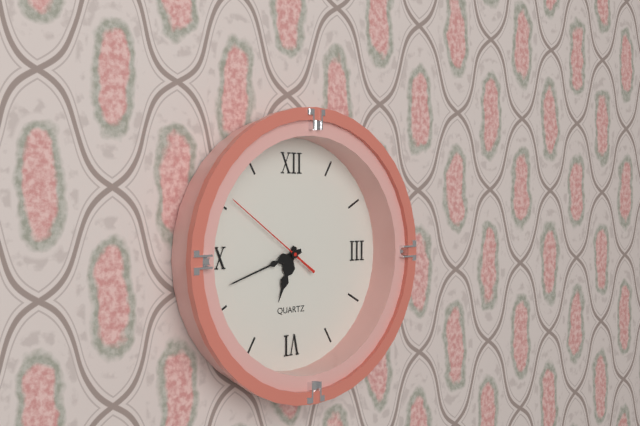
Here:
h=6 m=42 s=51
